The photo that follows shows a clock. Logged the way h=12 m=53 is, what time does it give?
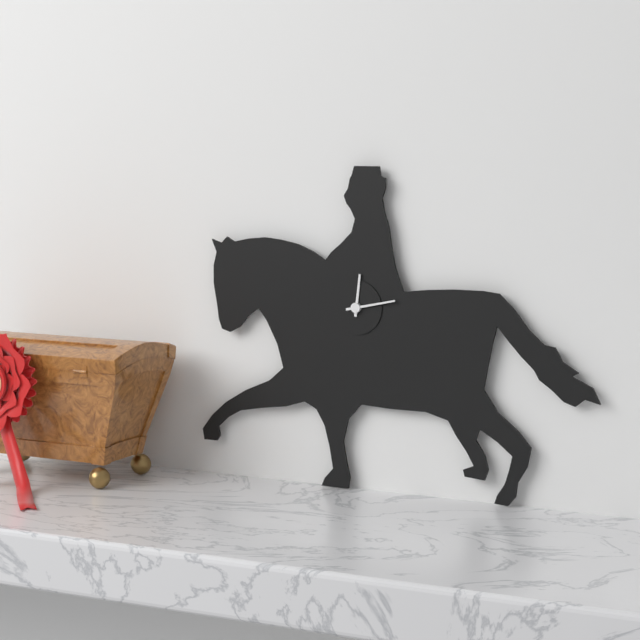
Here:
h=12 m=13
